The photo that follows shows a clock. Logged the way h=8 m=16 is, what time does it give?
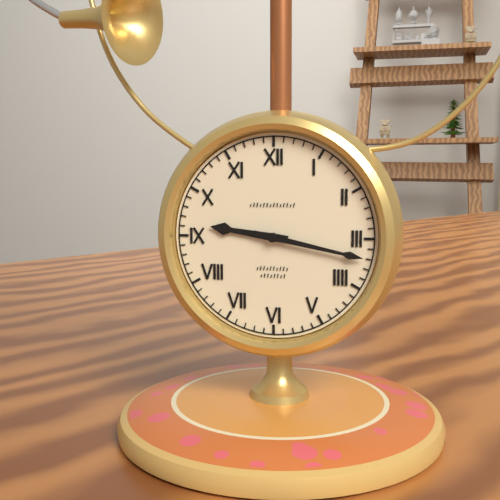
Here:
h=9 m=17
